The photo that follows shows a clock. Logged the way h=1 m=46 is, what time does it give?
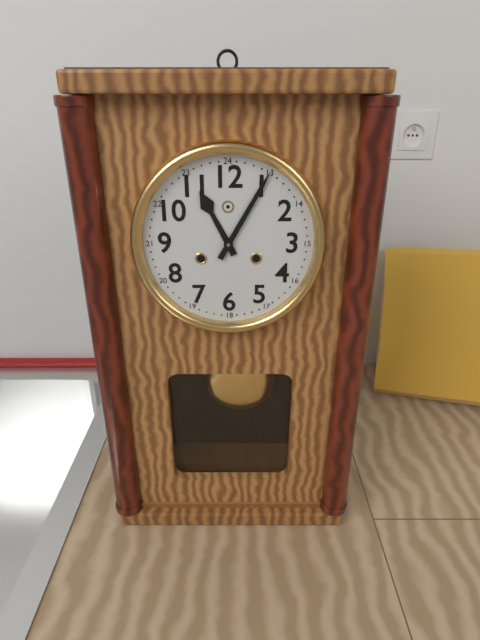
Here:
h=11 m=5
